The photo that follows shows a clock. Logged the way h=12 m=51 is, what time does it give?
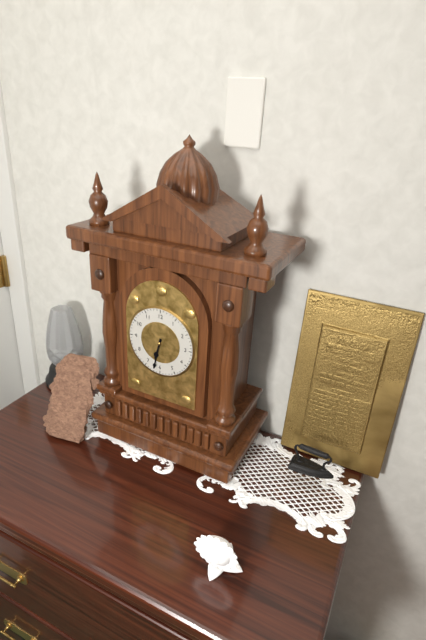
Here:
h=6 m=32
